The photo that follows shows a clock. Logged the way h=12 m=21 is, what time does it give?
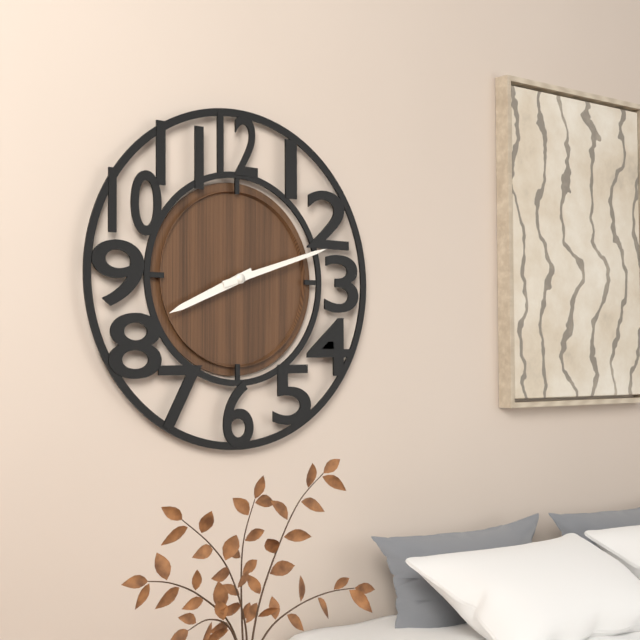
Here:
h=8 m=12
